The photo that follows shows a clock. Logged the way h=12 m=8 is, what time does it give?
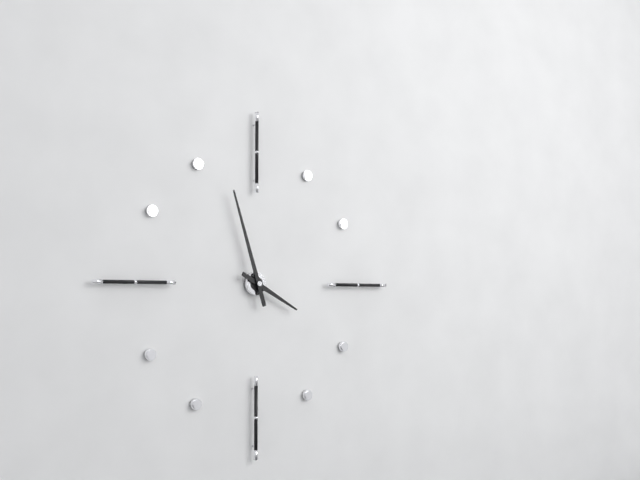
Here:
h=3 m=57
